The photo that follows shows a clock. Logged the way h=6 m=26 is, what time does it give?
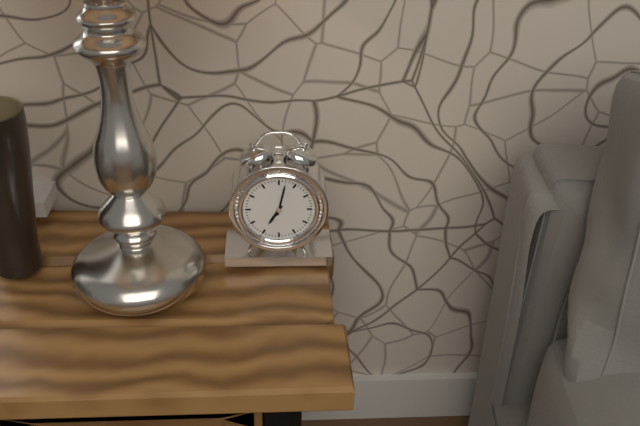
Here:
h=7 m=2
